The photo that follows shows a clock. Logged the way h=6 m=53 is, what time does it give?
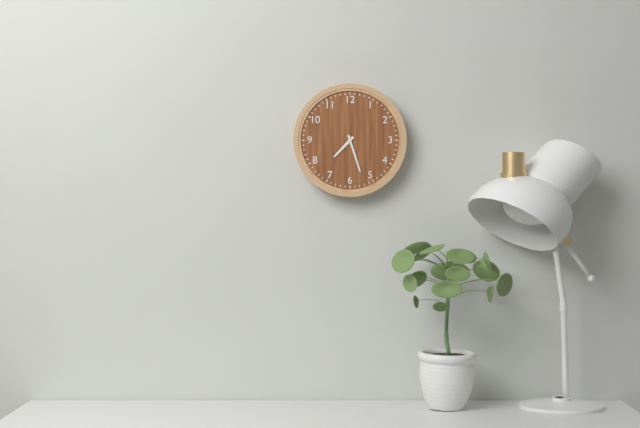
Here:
h=7 m=27
